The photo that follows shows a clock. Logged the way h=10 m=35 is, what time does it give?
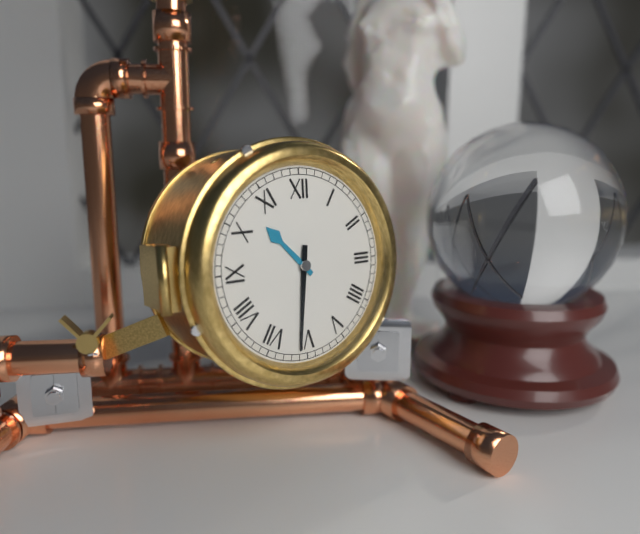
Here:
h=10 m=31
